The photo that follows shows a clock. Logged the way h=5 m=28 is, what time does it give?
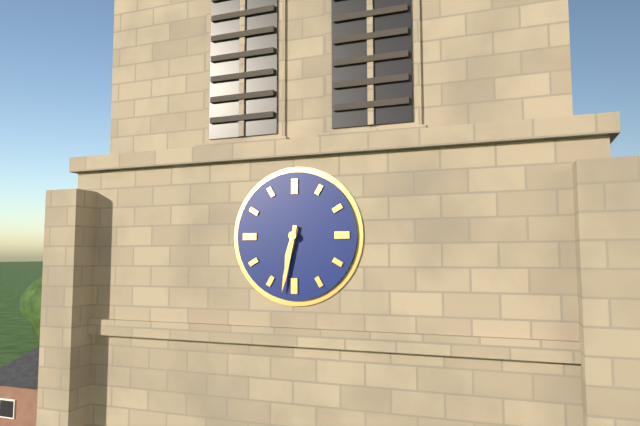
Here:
h=6 m=32
